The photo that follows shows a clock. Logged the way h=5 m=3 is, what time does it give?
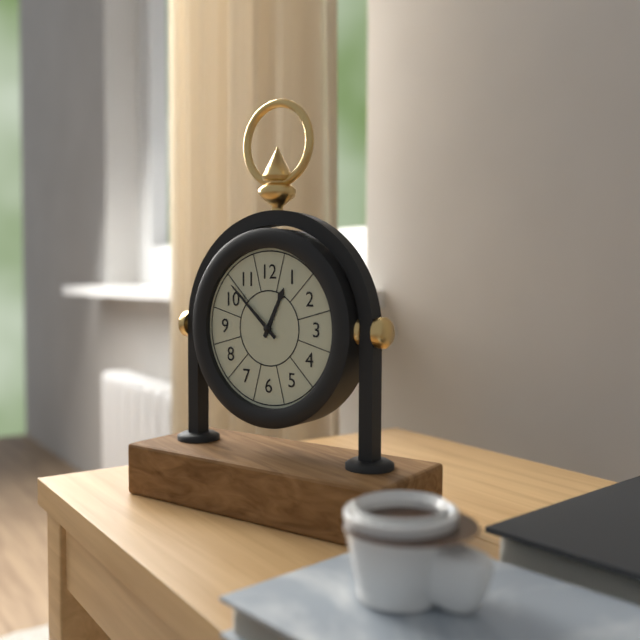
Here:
h=12 m=52
